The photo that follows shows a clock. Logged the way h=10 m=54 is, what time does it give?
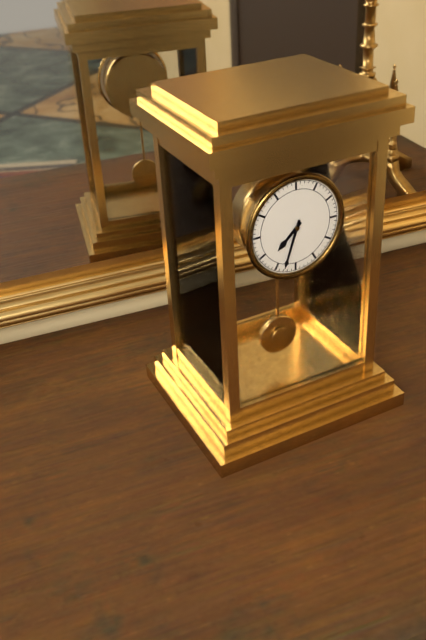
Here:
h=7 m=33
